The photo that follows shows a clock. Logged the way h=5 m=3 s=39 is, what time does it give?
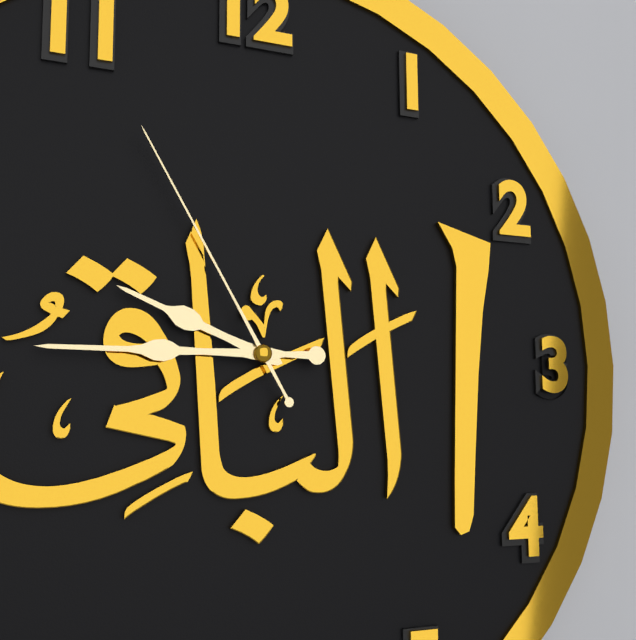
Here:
h=9 m=45 s=55
